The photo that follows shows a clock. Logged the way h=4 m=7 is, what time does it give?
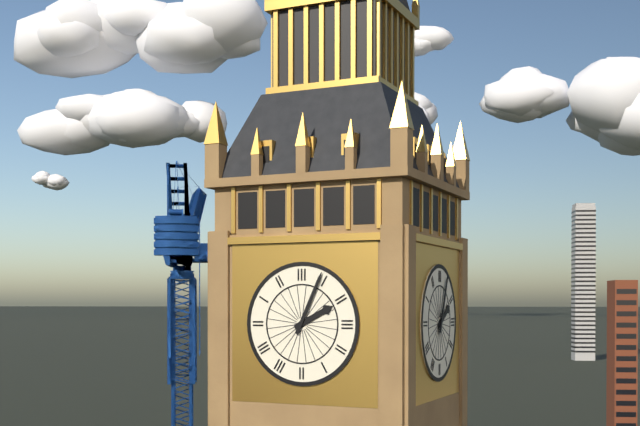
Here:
h=2 m=4
